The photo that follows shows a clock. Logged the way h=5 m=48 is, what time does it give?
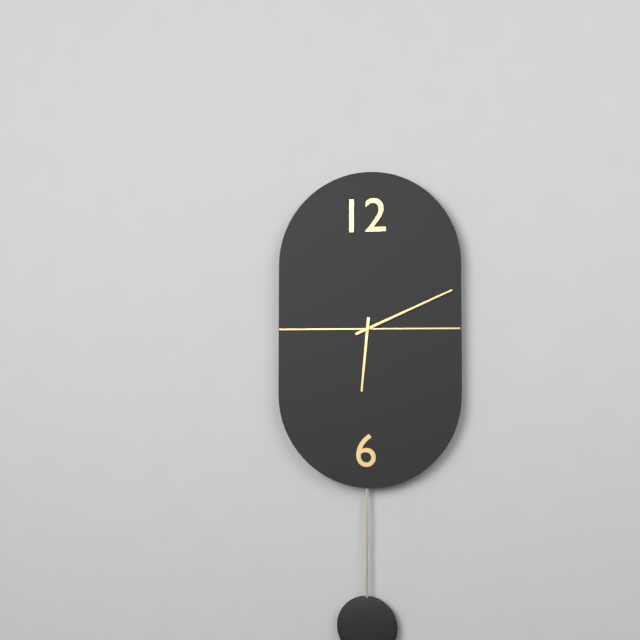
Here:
h=6 m=11
